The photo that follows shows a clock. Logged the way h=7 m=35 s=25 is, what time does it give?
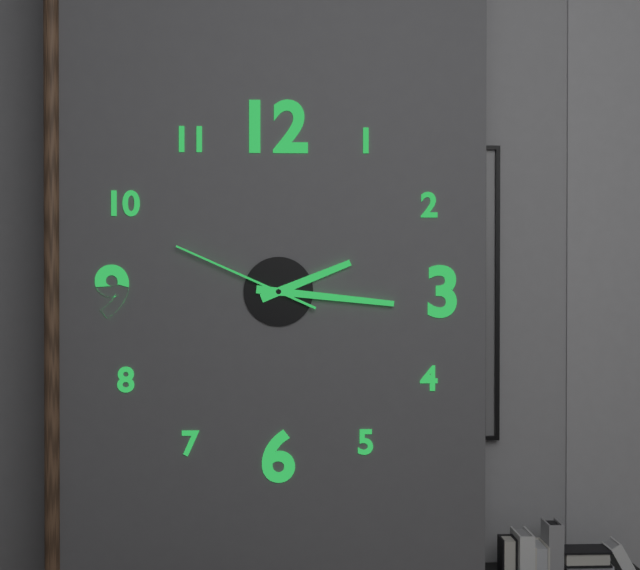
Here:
h=2 m=16 s=49
